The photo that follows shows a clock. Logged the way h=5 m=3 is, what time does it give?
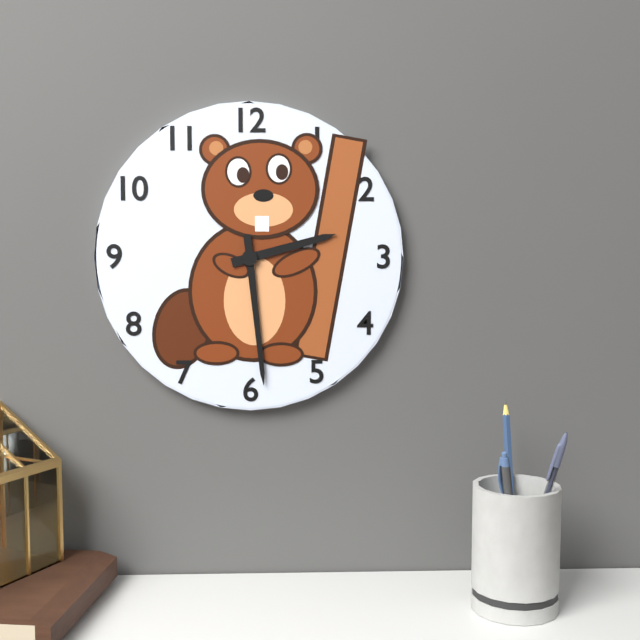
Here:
h=2 m=29
